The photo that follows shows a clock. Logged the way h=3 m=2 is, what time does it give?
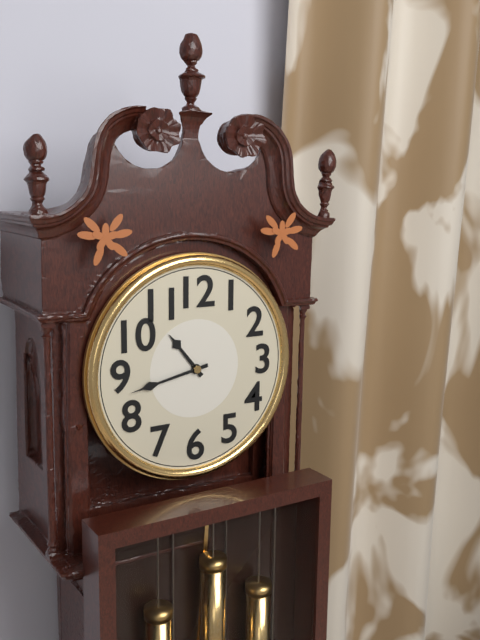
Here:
h=10 m=43
